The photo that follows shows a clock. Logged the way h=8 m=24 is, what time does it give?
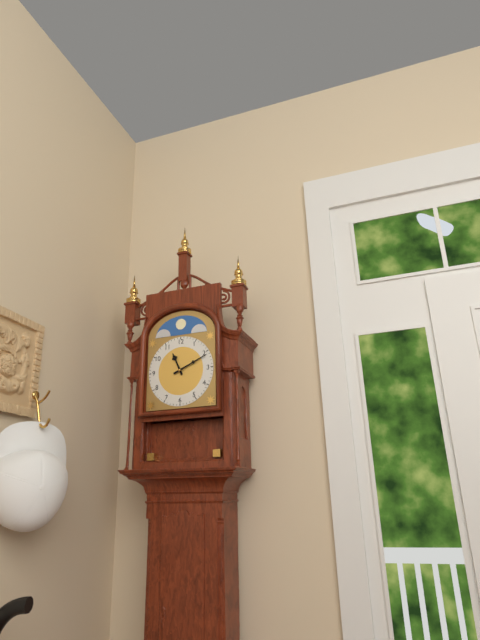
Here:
h=11 m=11
